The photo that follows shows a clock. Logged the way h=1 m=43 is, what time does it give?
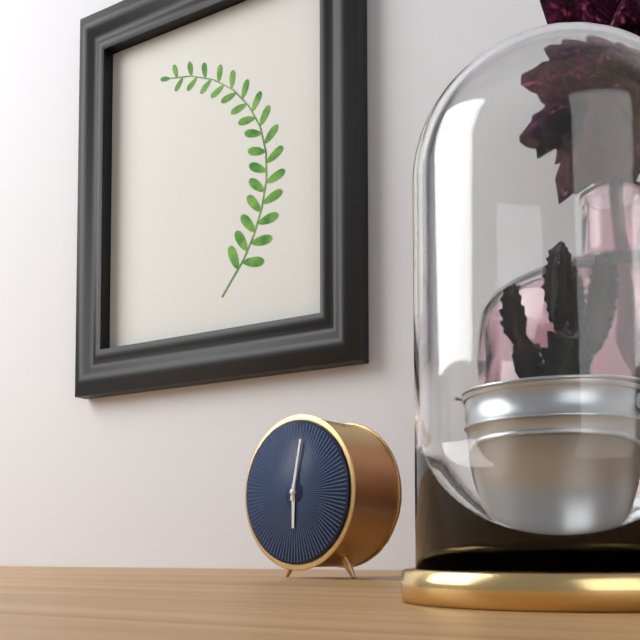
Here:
h=6 m=2
